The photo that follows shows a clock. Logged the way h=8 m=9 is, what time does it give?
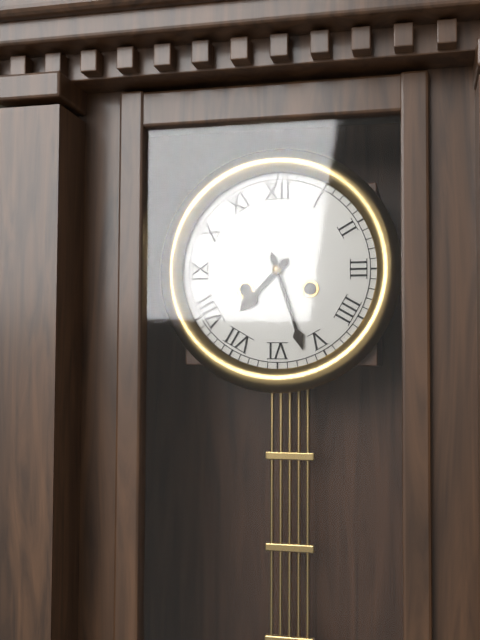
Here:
h=7 m=27
